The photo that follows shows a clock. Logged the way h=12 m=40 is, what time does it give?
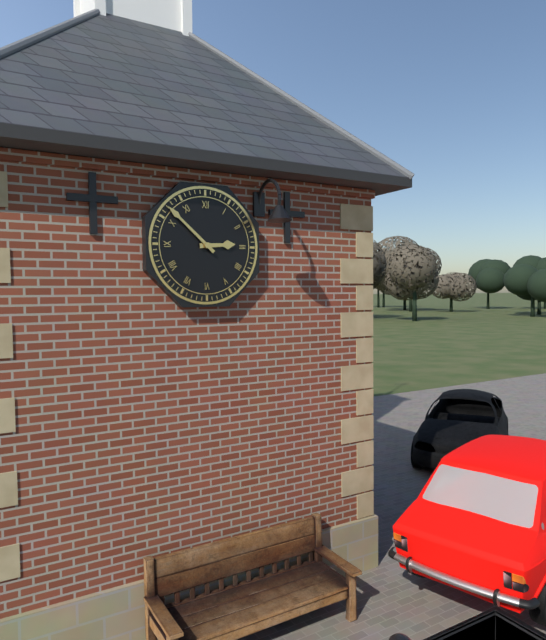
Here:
h=2 m=52
